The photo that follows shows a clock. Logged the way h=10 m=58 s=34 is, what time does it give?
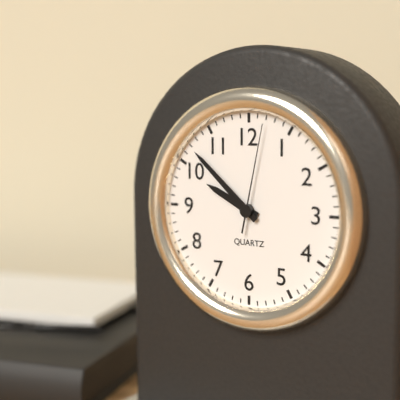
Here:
h=9 m=52 s=2
